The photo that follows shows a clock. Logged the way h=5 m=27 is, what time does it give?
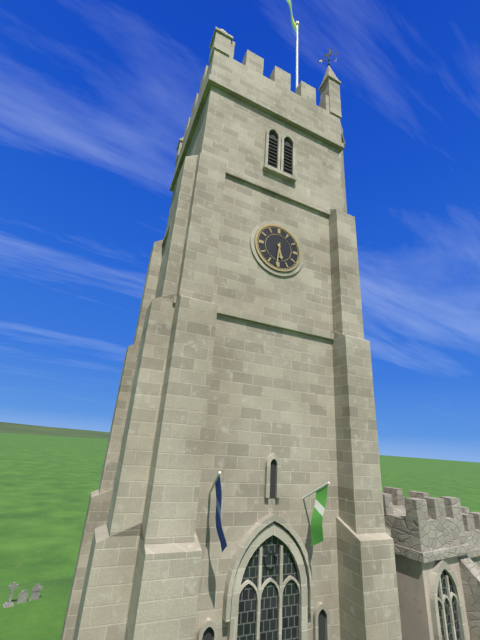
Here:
h=5 m=31
